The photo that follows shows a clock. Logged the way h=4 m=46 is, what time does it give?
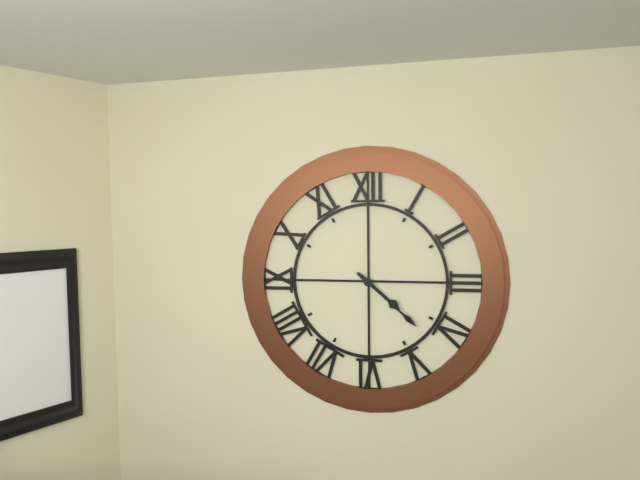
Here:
h=4 m=22
